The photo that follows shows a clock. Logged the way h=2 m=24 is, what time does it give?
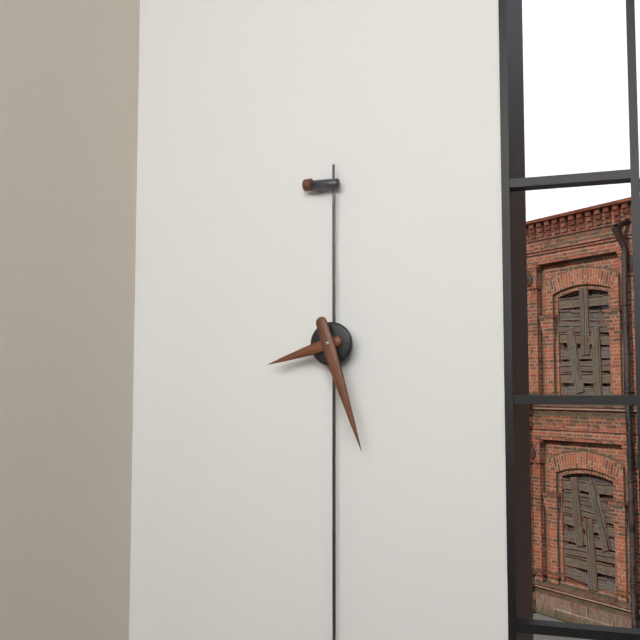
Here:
h=8 m=27
